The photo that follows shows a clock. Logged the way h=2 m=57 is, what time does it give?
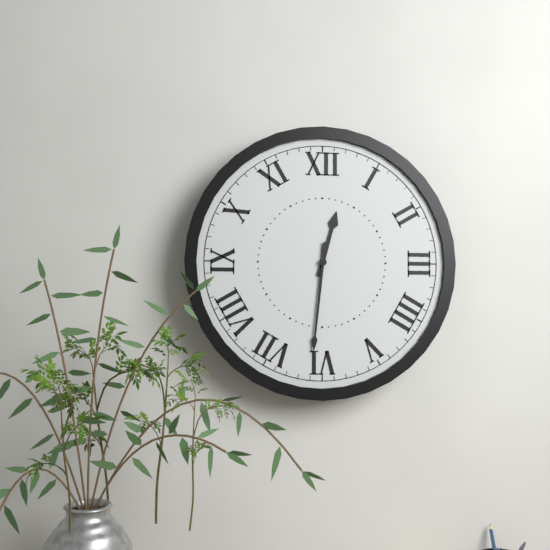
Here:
h=12 m=31
